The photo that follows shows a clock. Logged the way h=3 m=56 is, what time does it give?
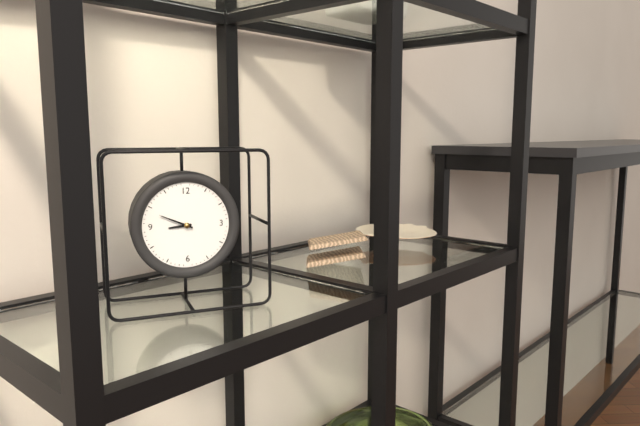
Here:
h=8 m=49
